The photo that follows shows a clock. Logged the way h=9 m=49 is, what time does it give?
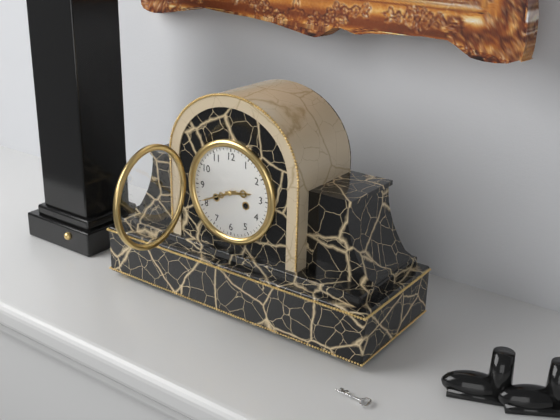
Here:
h=2 m=41
